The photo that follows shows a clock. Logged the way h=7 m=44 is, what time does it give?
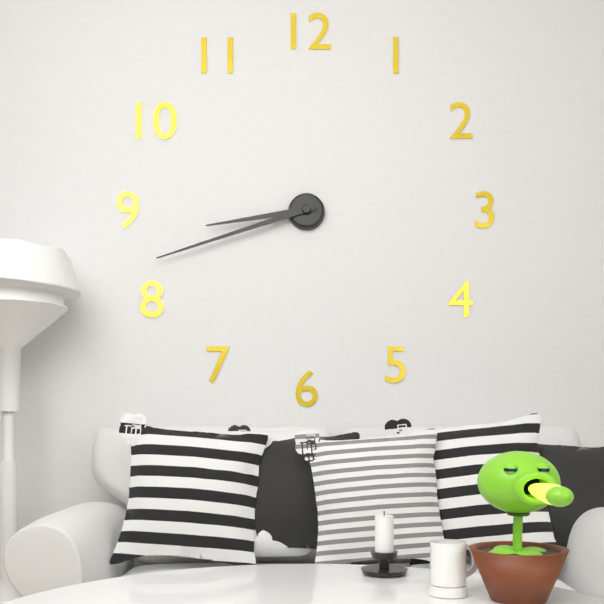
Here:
h=8 m=42
